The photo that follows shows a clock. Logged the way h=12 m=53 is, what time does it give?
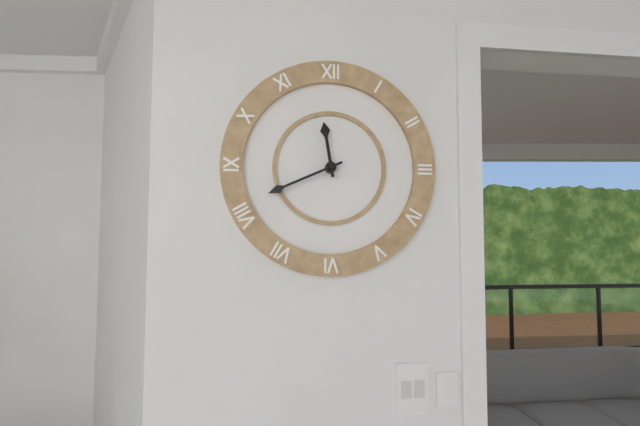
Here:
h=11 m=41
